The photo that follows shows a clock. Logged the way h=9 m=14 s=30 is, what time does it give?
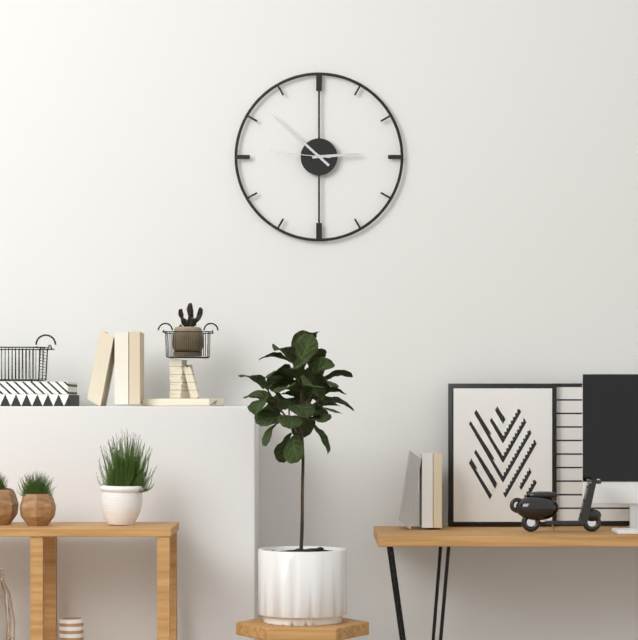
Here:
h=2 m=52 s=46
